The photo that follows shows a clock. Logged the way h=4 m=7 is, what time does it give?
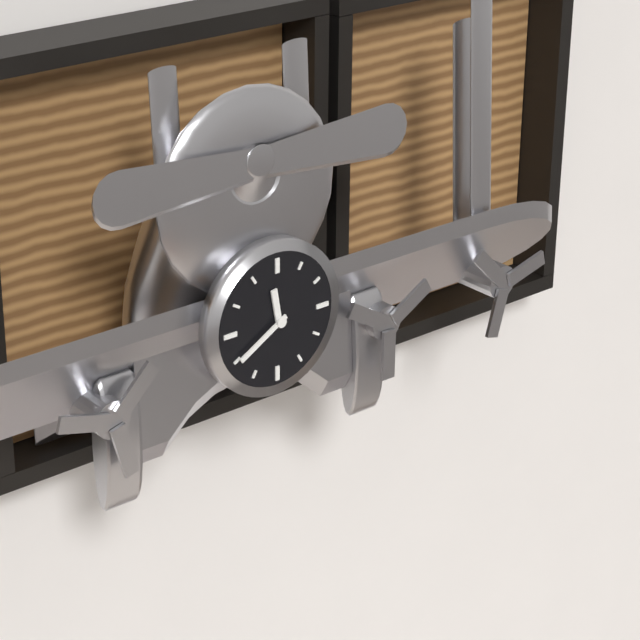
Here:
h=11 m=40
